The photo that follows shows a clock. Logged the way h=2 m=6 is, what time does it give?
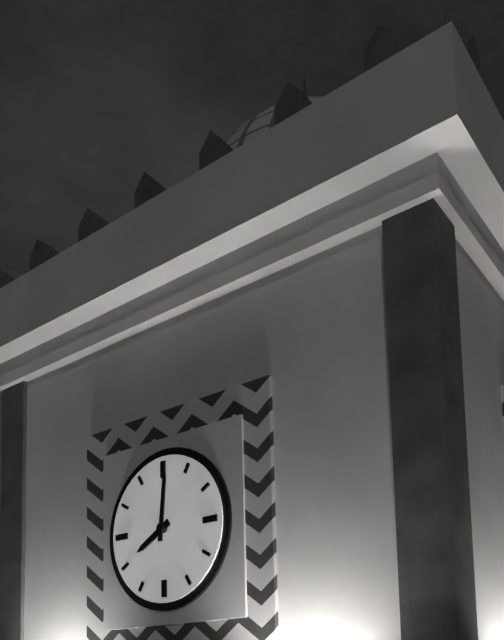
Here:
h=8 m=1
